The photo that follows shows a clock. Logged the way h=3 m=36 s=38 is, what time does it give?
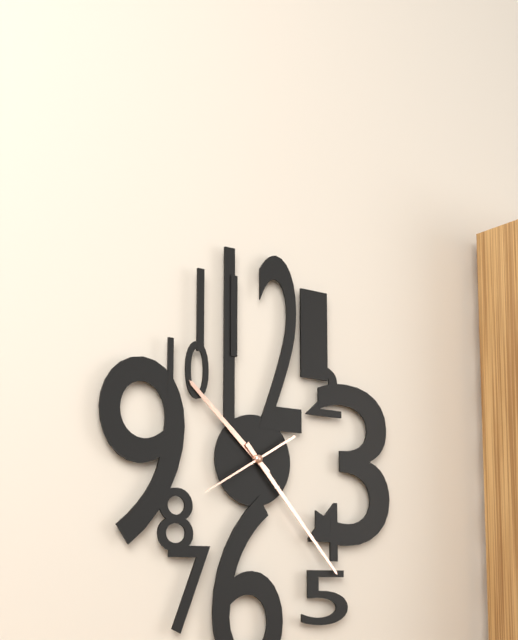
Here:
h=10 m=23 s=40
